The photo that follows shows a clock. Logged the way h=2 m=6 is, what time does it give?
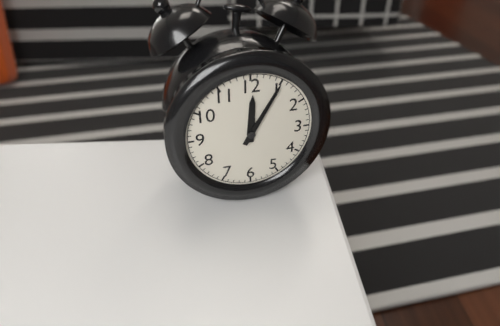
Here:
h=12 m=5
